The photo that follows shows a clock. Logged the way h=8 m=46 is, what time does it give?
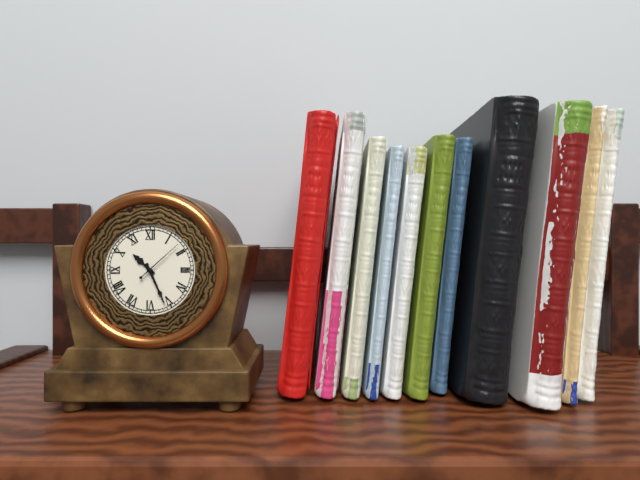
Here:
h=10 m=26
